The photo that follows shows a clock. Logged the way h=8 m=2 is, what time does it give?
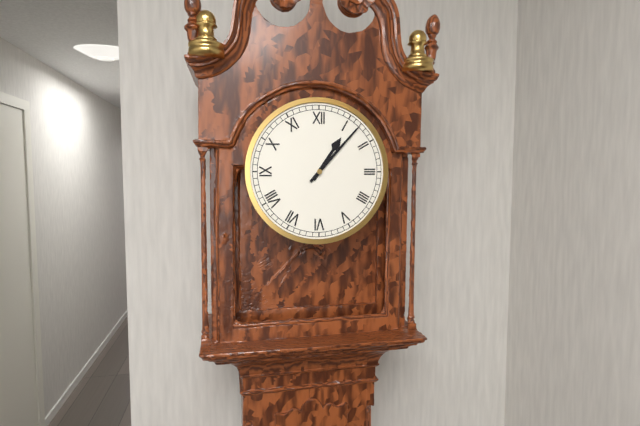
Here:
h=1 m=7
